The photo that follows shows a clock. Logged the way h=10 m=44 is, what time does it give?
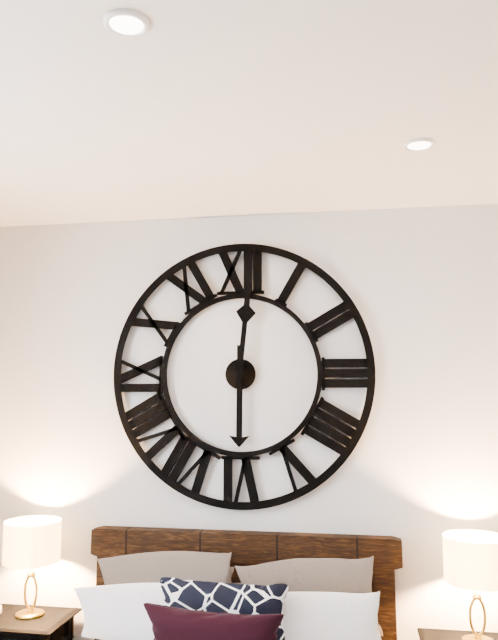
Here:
h=6 m=1
